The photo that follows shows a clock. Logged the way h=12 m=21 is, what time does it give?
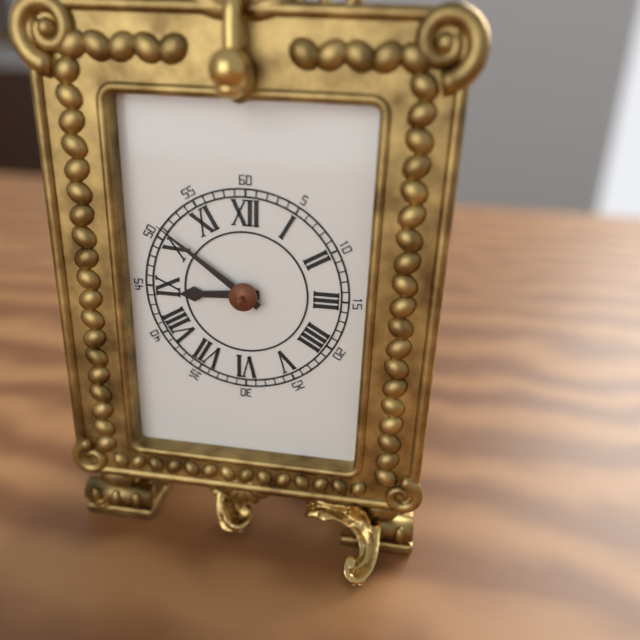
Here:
h=8 m=51
